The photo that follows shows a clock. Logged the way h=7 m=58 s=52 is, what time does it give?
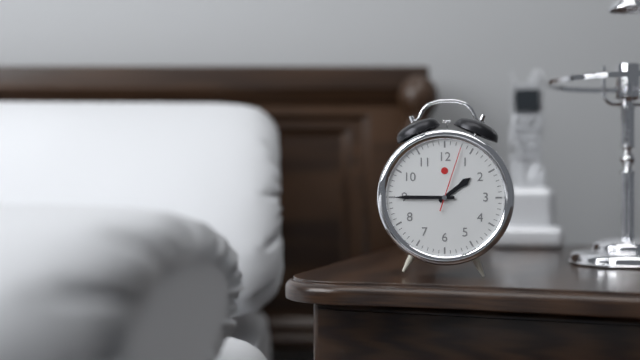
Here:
h=1 m=45 s=3
